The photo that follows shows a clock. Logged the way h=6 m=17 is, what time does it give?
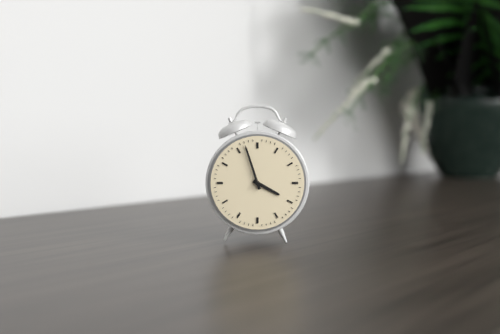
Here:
h=3 m=57
